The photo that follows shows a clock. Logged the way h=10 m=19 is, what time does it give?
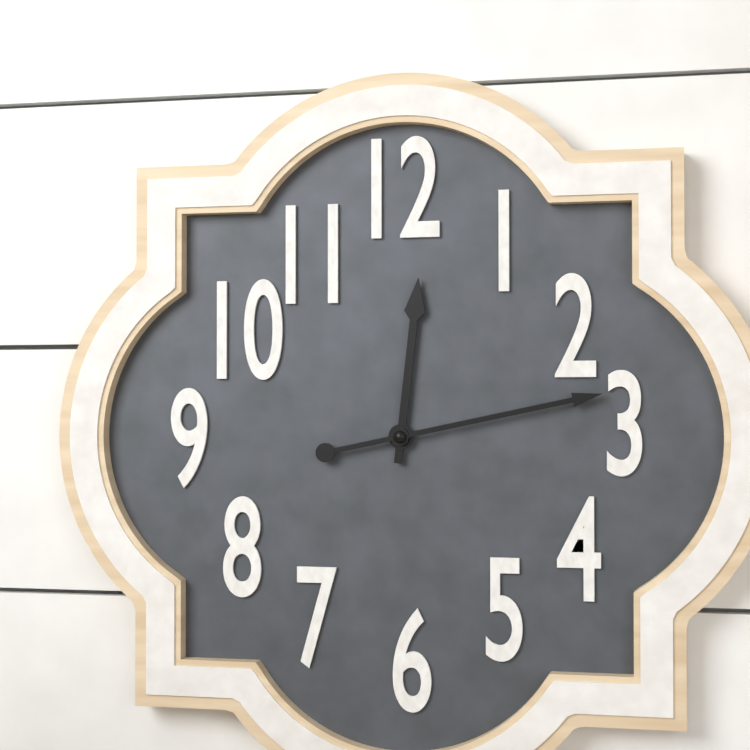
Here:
h=12 m=13
